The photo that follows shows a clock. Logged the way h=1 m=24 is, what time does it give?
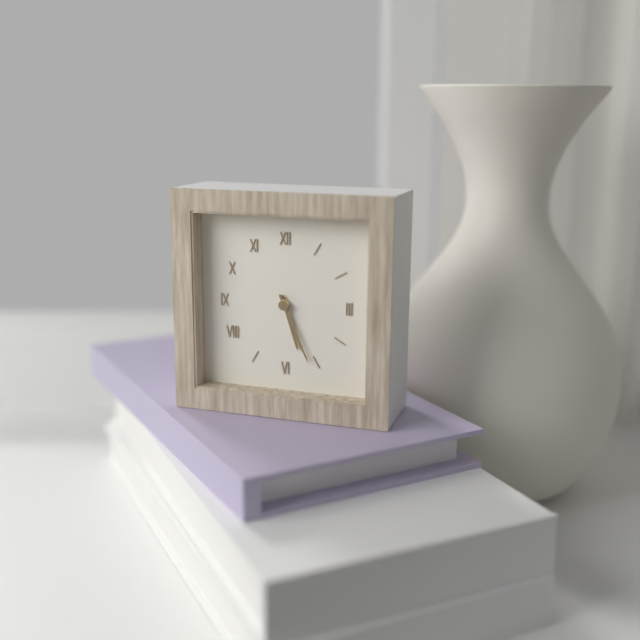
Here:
h=5 m=26
